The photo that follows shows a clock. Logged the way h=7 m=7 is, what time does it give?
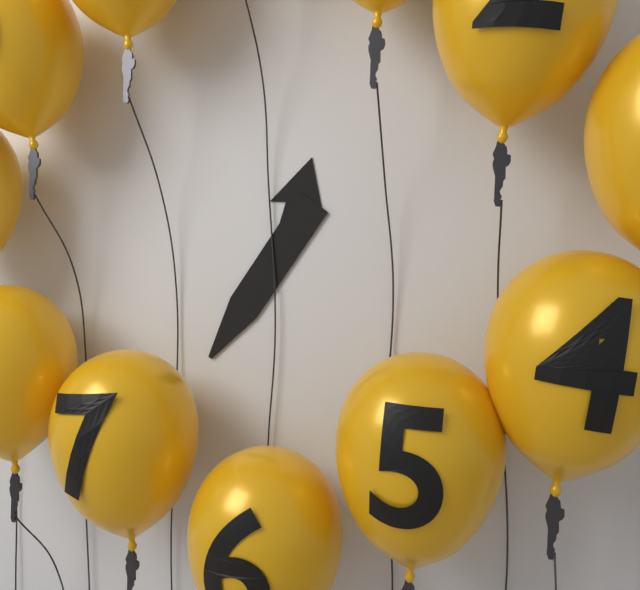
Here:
h=12 m=36
